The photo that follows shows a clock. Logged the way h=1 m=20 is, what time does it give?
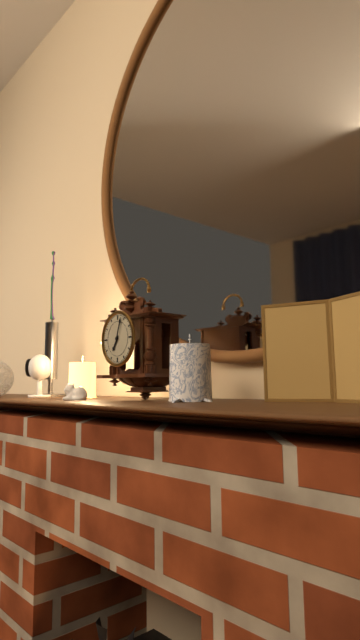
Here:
h=7 m=3
